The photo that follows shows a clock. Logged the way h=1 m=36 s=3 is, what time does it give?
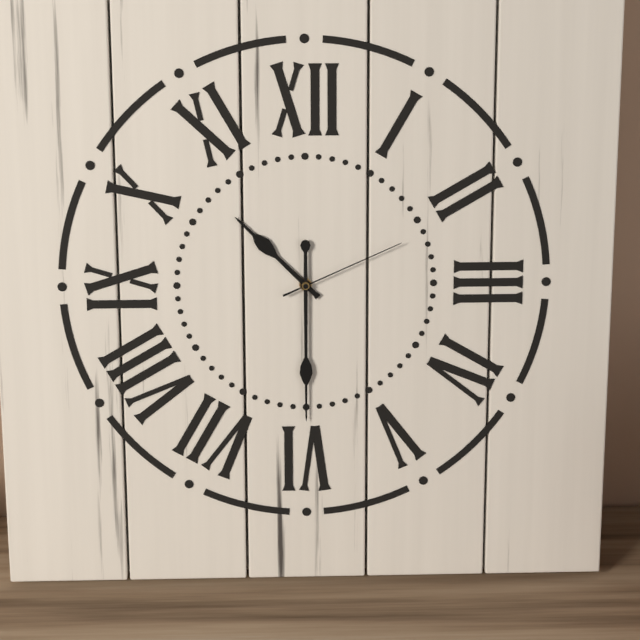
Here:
h=10 m=30 s=11
